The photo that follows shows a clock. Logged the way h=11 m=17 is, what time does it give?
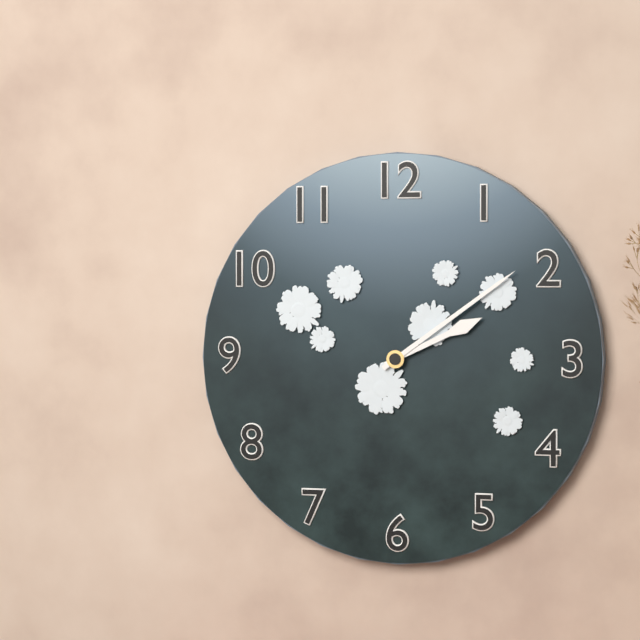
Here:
h=2 m=9
